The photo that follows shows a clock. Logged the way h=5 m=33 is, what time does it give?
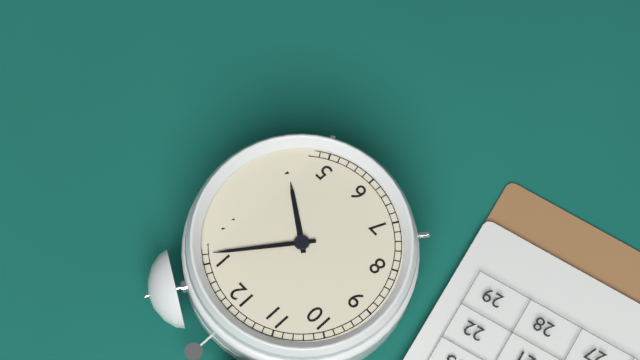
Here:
h=4 m=6
